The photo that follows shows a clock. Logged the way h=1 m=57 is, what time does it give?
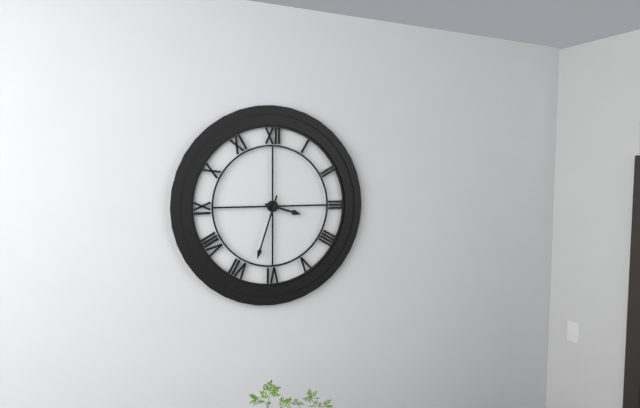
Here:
h=3 m=33
